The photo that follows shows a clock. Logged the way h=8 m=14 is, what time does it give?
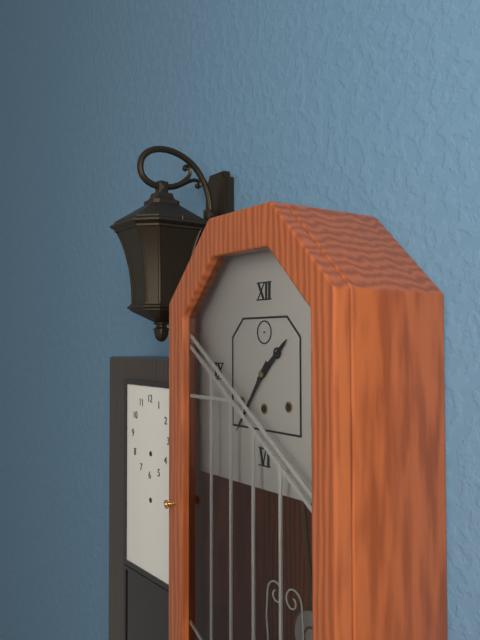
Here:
h=1 m=36
